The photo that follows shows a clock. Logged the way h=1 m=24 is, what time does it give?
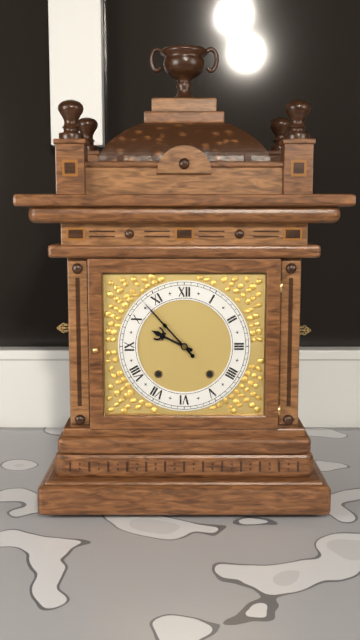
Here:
h=9 m=53
